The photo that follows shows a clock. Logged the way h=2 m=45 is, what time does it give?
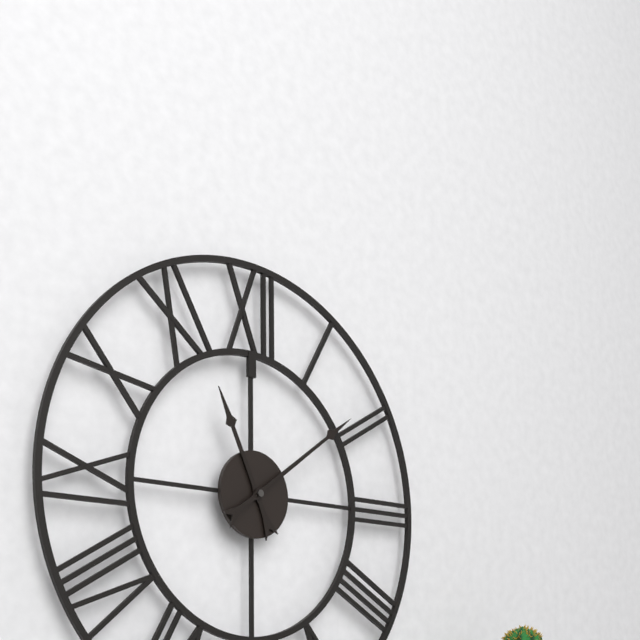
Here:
h=11 m=9
